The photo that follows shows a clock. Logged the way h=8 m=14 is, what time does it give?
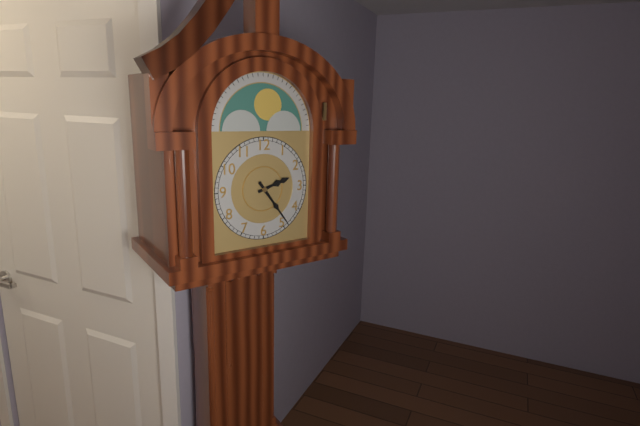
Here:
h=2 m=24
